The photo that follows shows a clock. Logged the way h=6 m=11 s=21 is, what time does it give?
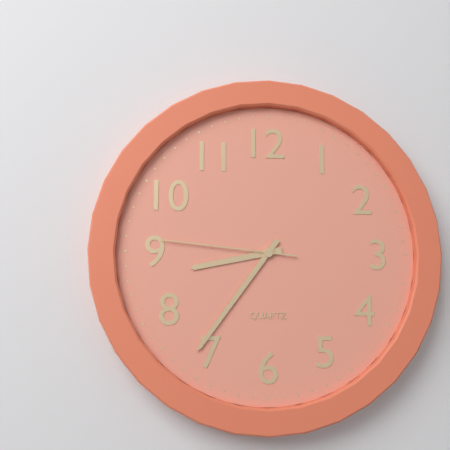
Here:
h=8 m=36 s=46
